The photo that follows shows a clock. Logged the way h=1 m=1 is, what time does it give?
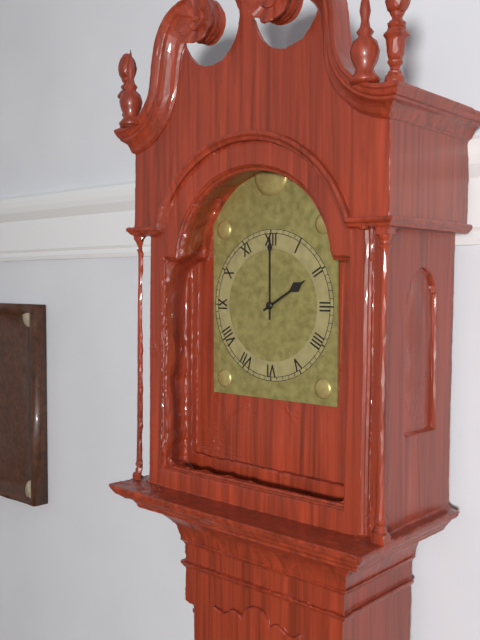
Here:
h=2 m=0
